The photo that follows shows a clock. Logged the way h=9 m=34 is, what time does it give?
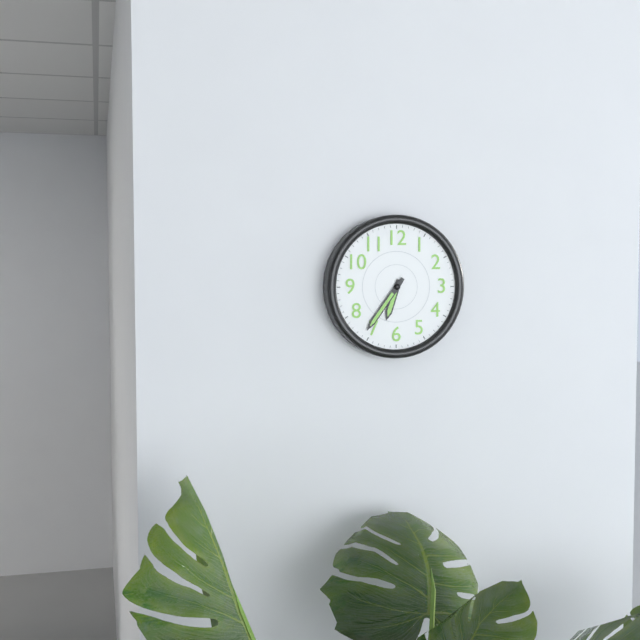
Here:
h=6 m=36
